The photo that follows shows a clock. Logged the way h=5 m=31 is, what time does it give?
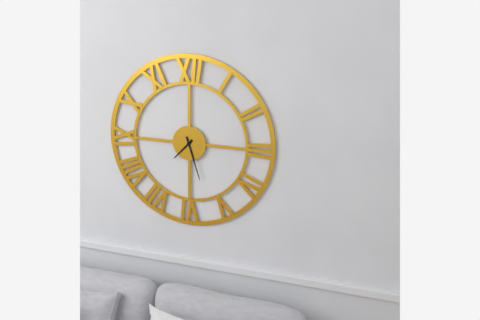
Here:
h=7 m=27
